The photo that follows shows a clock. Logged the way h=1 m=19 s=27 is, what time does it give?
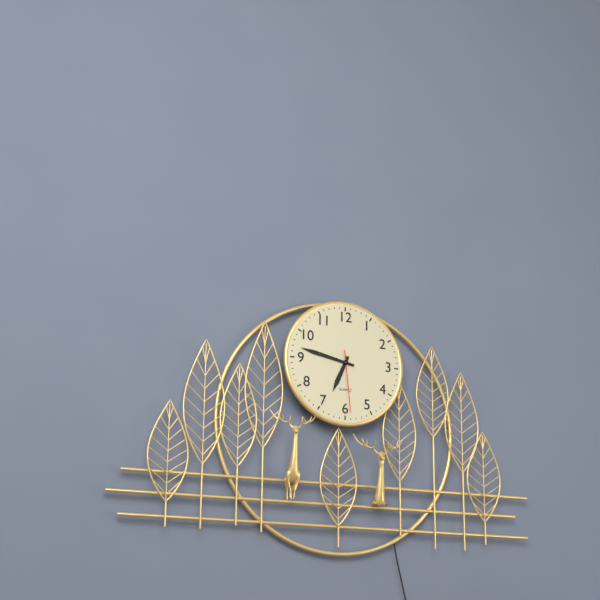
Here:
h=6 m=47 s=29
